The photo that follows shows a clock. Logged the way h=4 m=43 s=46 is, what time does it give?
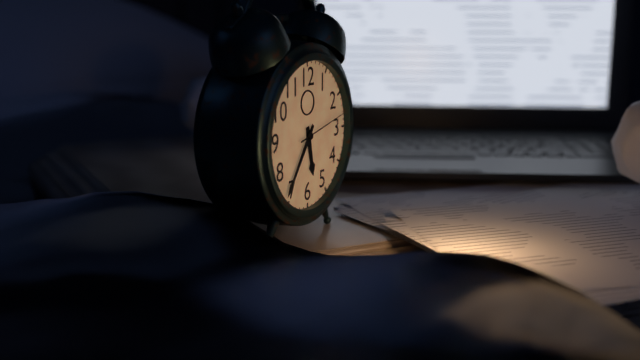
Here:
h=5 m=36 s=13
